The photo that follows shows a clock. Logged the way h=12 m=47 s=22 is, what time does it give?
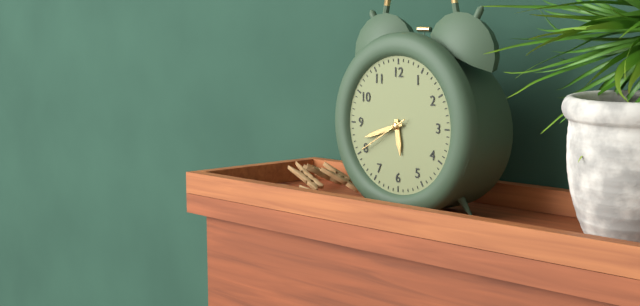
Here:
h=5 m=42 s=40
